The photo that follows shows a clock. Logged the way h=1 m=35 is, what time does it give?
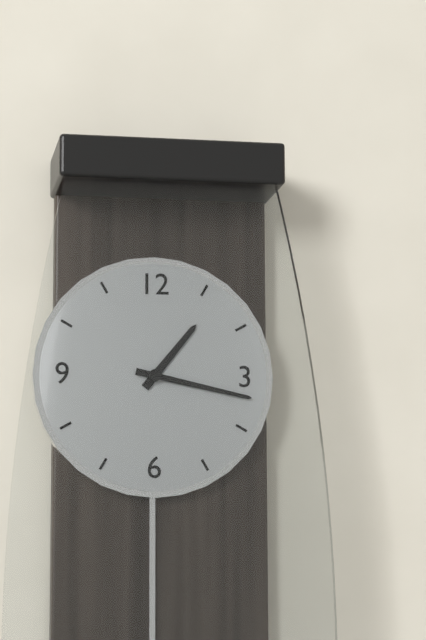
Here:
h=1 m=17
